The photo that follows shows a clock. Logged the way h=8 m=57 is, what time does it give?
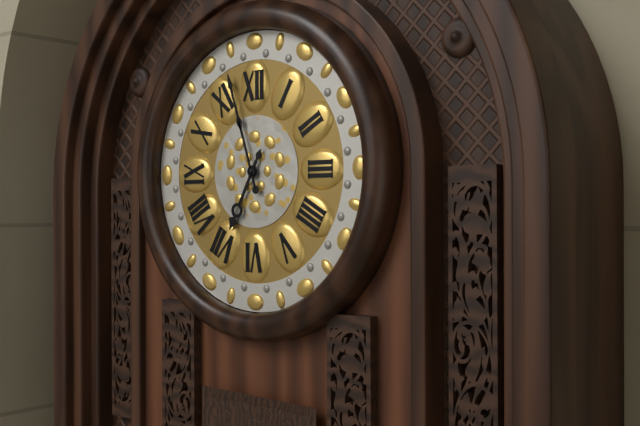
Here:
h=6 m=57
